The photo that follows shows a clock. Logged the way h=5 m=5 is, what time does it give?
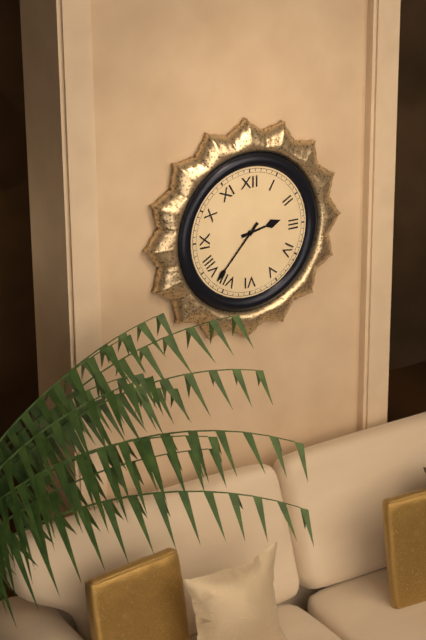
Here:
h=2 m=37
